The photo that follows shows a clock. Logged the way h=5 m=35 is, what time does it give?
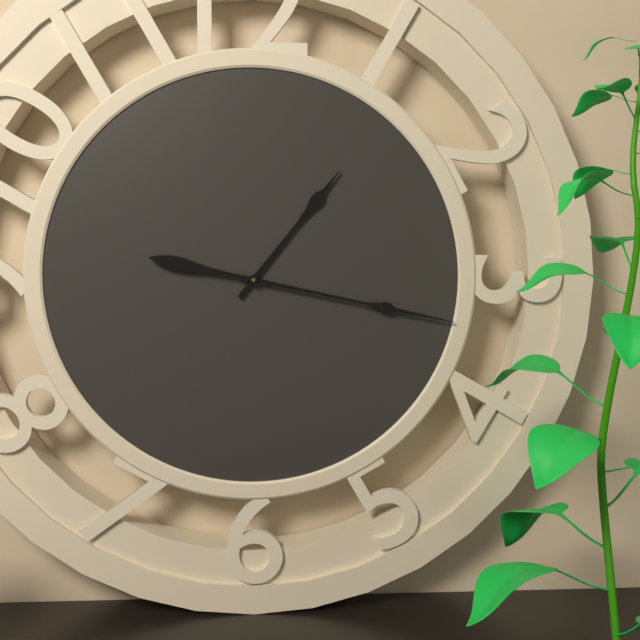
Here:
h=1 m=17
